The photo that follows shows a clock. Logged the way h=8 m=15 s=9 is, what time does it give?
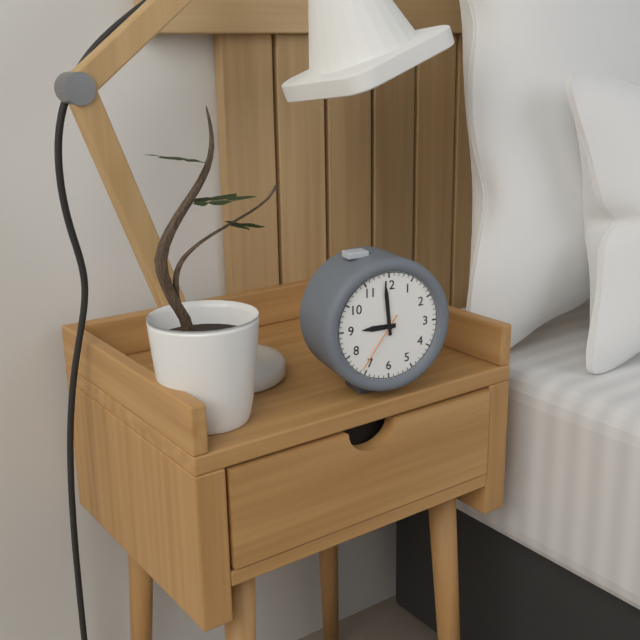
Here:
h=8 m=59 s=36
